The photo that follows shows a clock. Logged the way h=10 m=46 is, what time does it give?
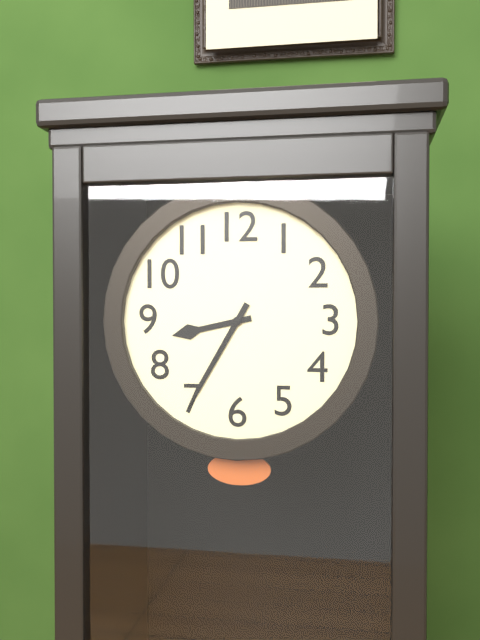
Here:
h=8 m=35
